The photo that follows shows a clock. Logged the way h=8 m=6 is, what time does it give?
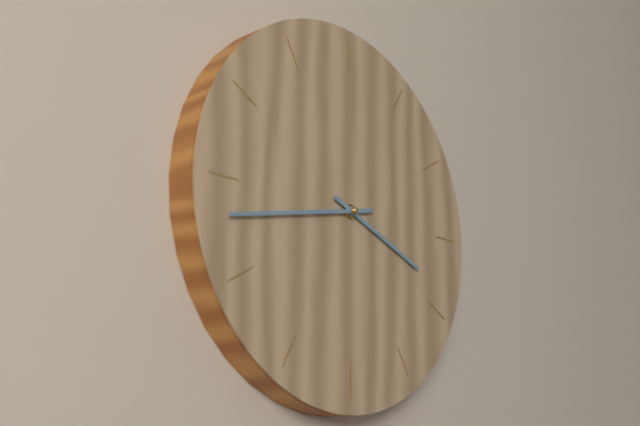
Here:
h=3 m=43
